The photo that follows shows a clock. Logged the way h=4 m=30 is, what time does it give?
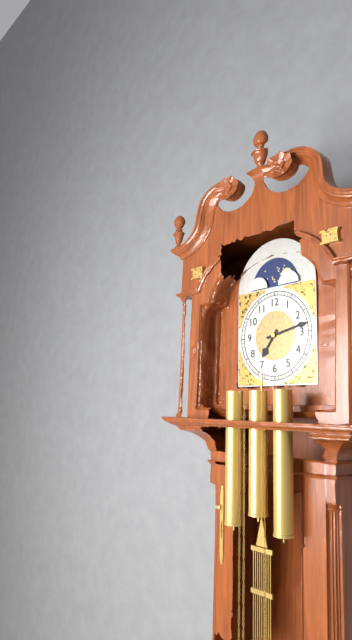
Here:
h=7 m=13
